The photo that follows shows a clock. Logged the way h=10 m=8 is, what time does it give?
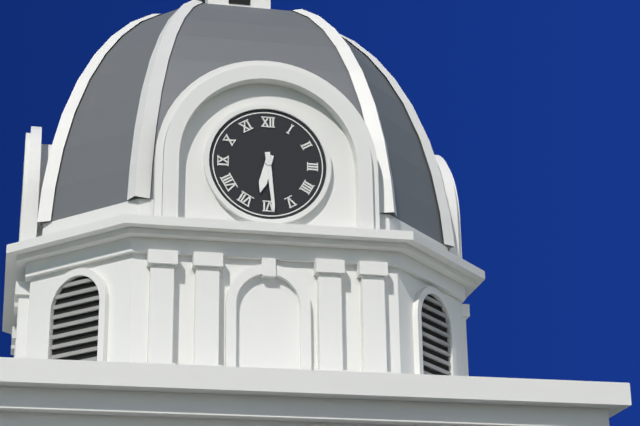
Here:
h=6 m=29
